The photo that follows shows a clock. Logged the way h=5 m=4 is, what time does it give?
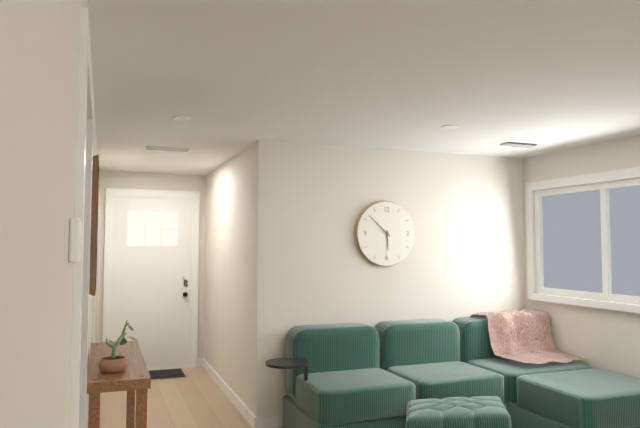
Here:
h=5 m=52
